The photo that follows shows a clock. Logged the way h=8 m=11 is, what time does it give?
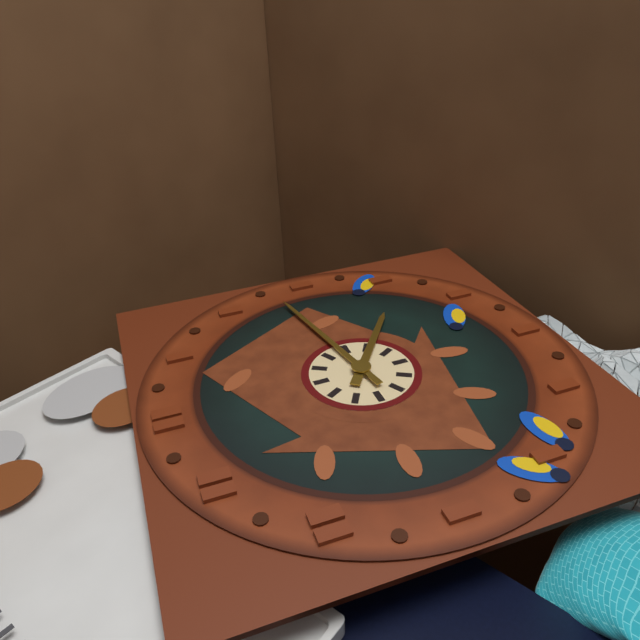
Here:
h=4 m=13
